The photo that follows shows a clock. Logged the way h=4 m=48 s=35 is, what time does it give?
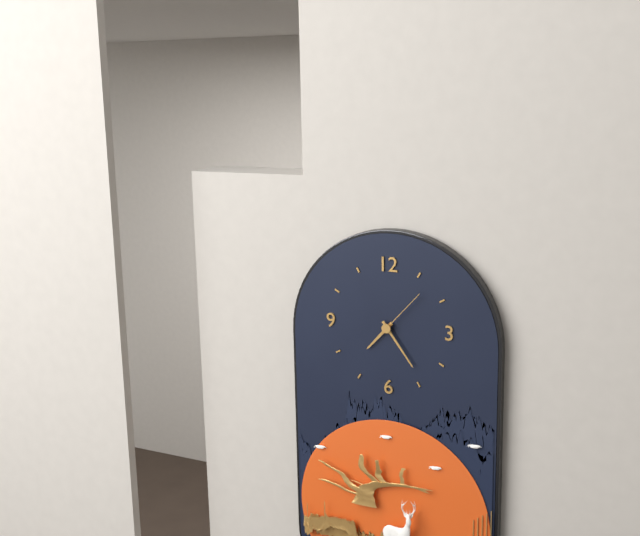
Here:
h=7 m=24 s=7
